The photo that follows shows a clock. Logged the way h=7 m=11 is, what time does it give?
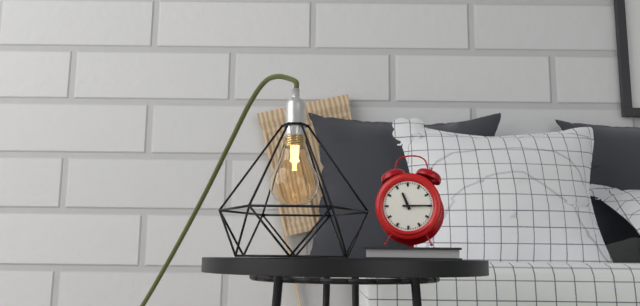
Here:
h=11 m=15
